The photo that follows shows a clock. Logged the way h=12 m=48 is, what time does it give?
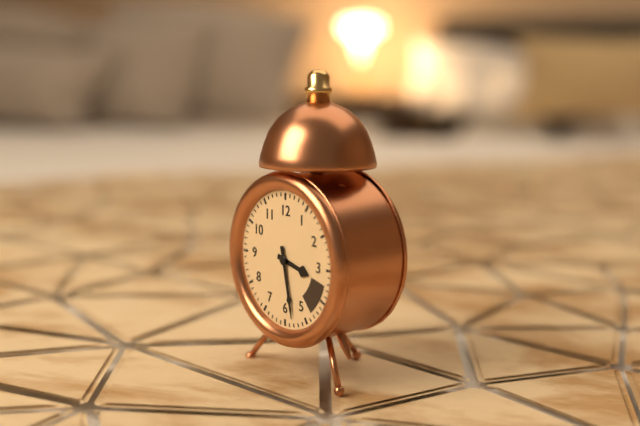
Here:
h=3 m=28
